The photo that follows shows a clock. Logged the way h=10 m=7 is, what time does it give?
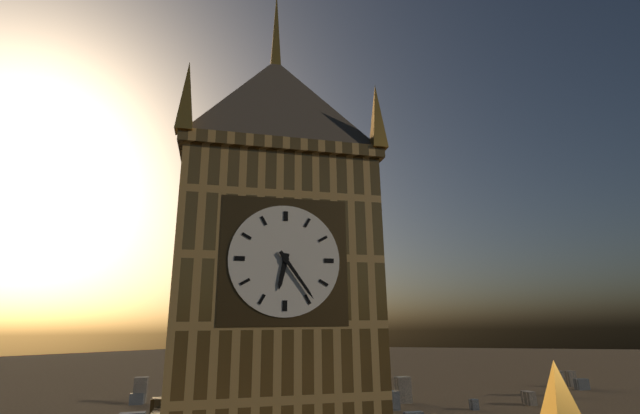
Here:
h=6 m=24
